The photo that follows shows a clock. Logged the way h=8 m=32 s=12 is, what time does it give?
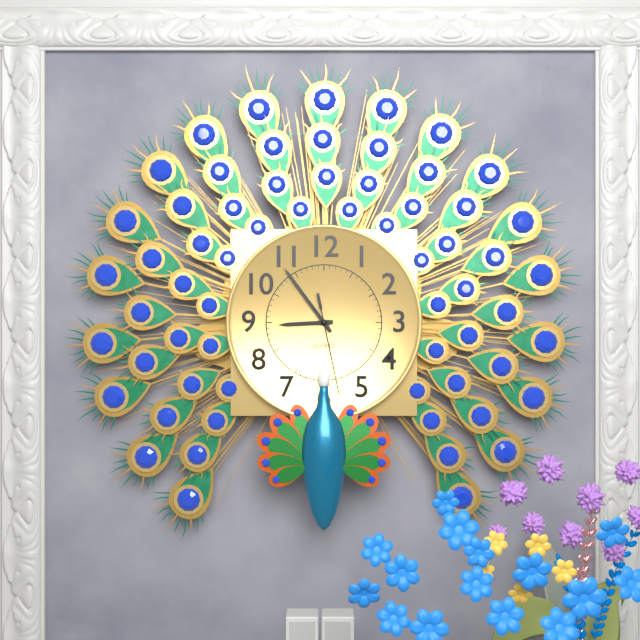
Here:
h=8 m=54 s=28
